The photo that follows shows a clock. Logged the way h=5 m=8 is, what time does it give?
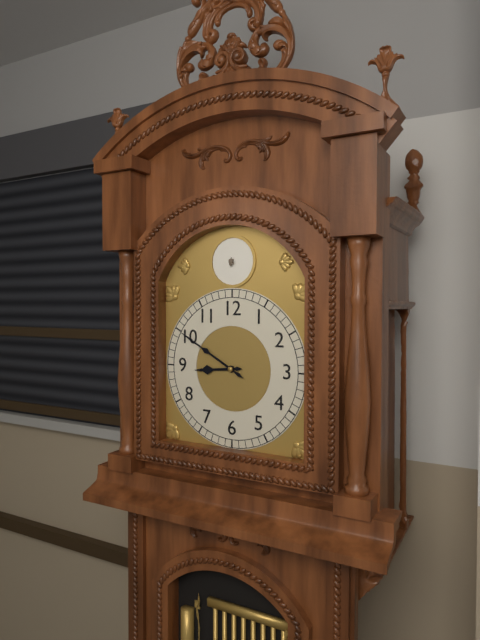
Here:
h=8 m=50
